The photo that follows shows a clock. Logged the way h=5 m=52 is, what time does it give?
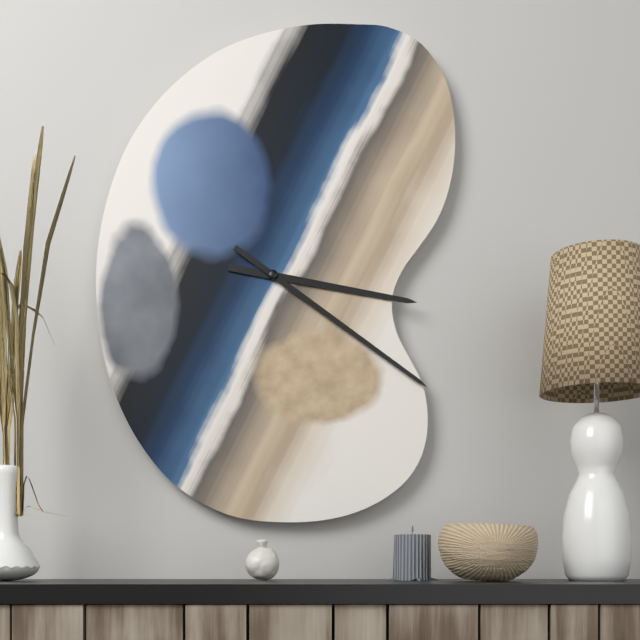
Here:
h=3 m=21
